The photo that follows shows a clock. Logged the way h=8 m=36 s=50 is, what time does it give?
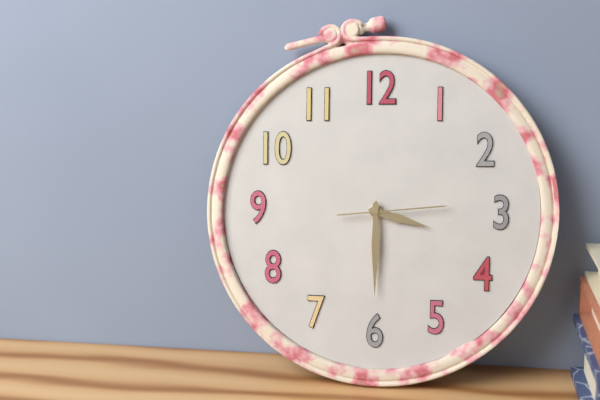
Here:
h=3 m=30 s=14
